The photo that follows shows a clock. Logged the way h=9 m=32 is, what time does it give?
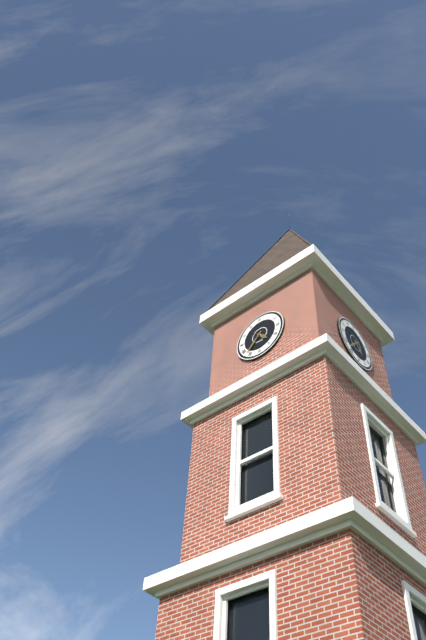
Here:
h=4 m=37
